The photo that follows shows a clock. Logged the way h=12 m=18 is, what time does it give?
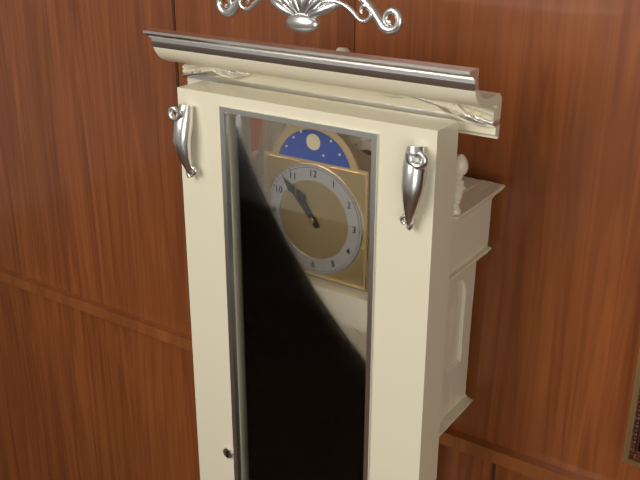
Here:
h=10 m=53
